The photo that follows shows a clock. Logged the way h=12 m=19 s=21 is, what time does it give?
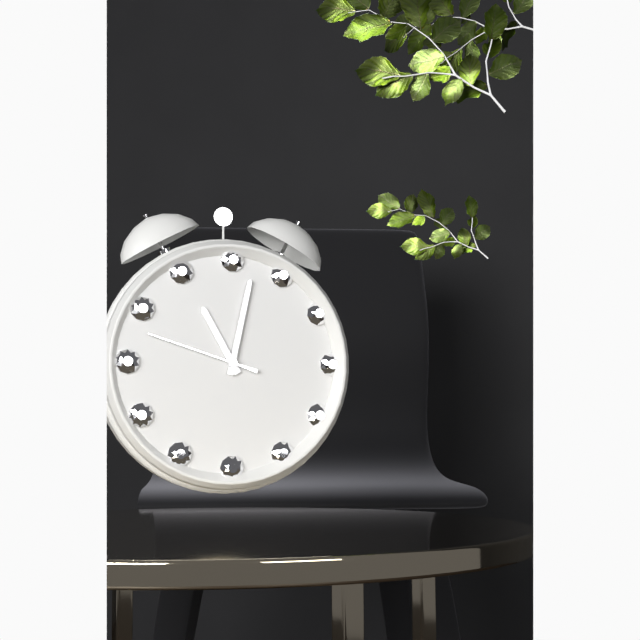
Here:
h=11 m=2 s=48
